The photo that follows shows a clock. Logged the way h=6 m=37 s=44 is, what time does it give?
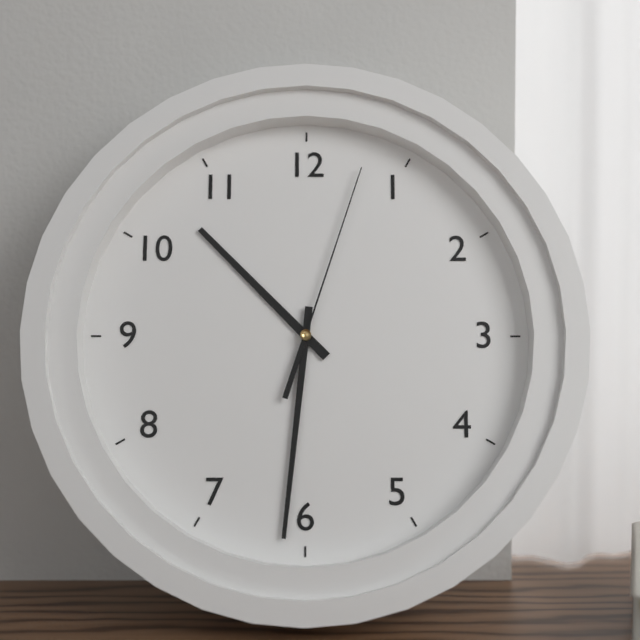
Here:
h=10 m=31 s=3
